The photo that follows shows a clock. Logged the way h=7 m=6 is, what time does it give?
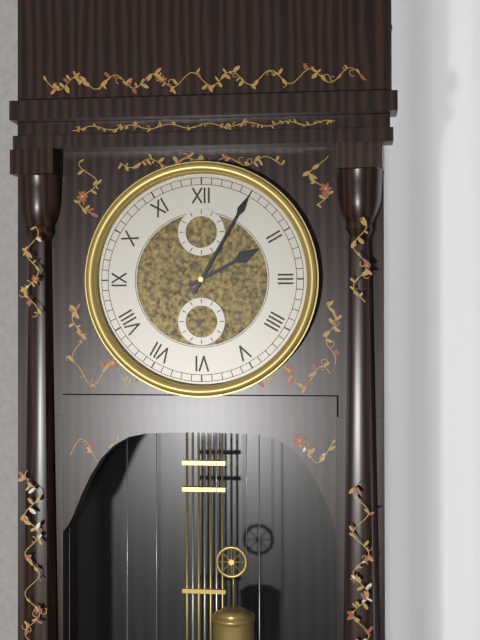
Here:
h=2 m=5
